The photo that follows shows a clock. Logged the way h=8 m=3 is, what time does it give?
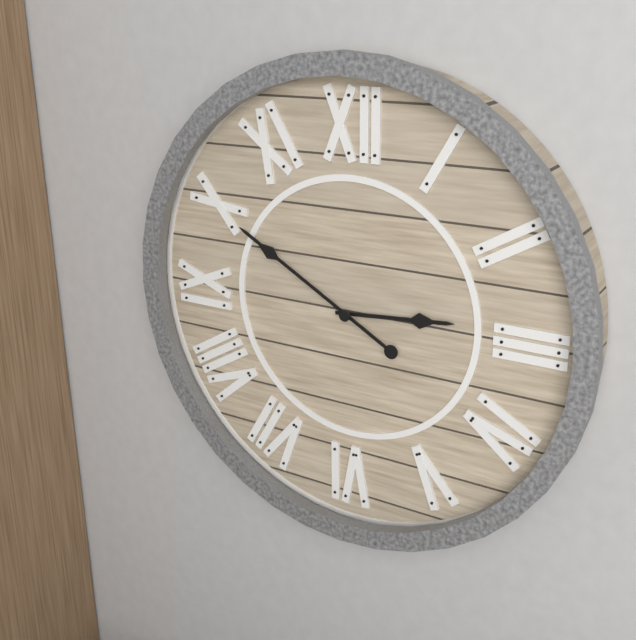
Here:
h=2 m=50
